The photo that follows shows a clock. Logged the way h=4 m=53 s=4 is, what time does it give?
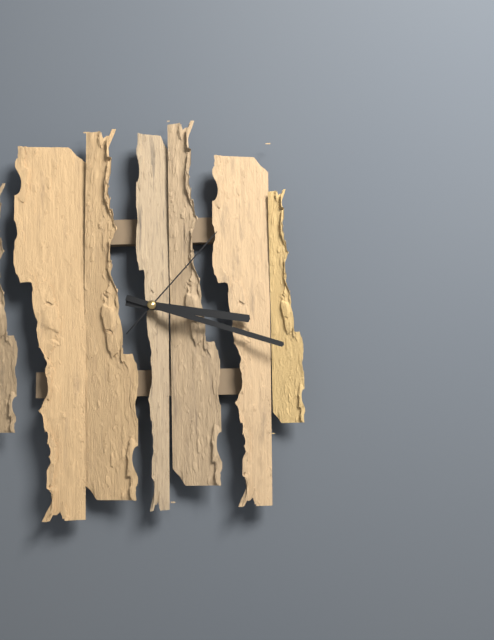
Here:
h=3 m=18 s=7
